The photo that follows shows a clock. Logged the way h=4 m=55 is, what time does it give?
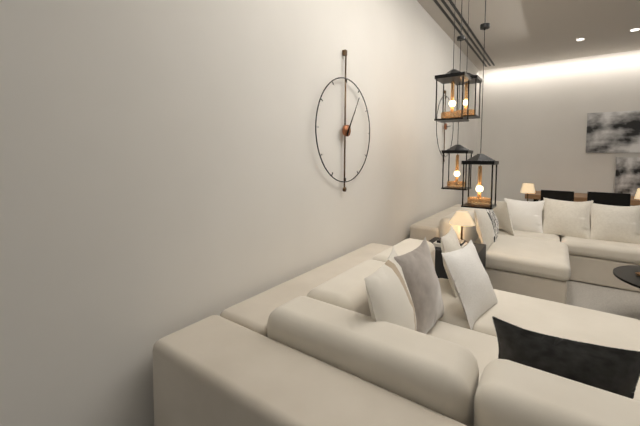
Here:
h=1 m=5
